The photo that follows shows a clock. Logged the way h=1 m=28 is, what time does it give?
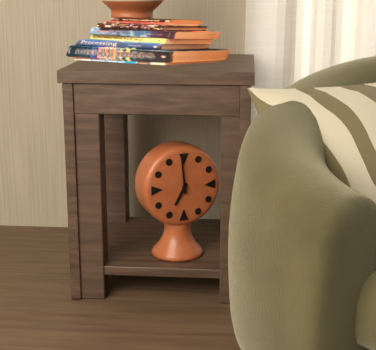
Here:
h=6 m=59
